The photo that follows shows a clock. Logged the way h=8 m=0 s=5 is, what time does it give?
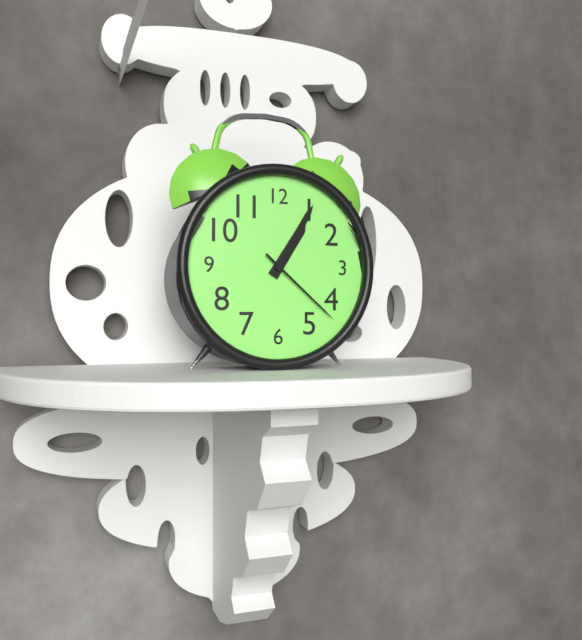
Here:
h=1 m=5 s=22
